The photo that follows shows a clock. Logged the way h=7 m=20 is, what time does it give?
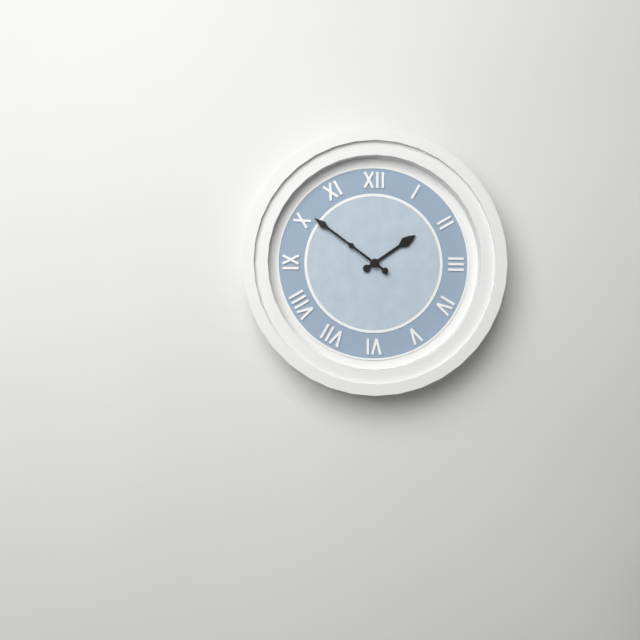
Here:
h=1 m=51
